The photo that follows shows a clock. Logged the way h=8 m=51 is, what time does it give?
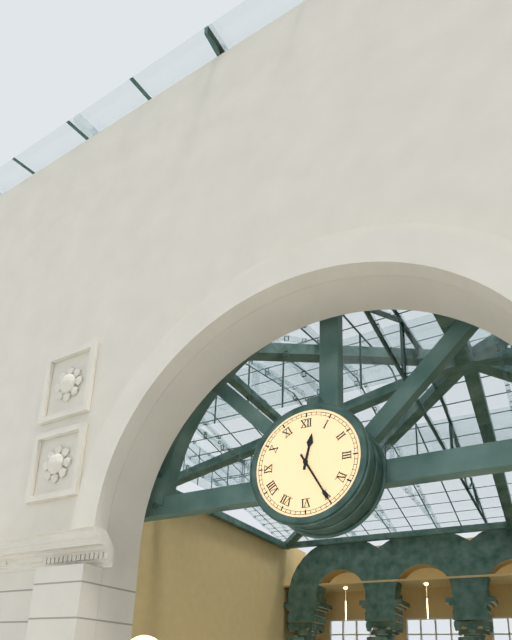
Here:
h=12 m=25
